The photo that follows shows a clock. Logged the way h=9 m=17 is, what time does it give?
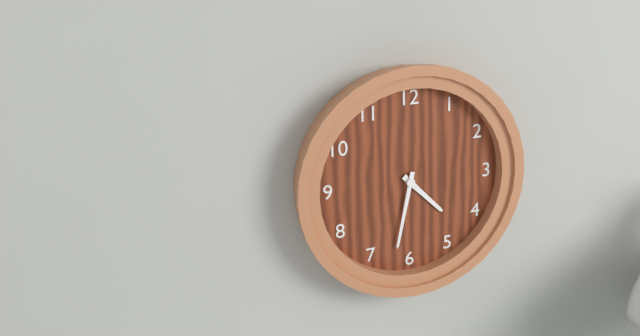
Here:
h=4 m=32
